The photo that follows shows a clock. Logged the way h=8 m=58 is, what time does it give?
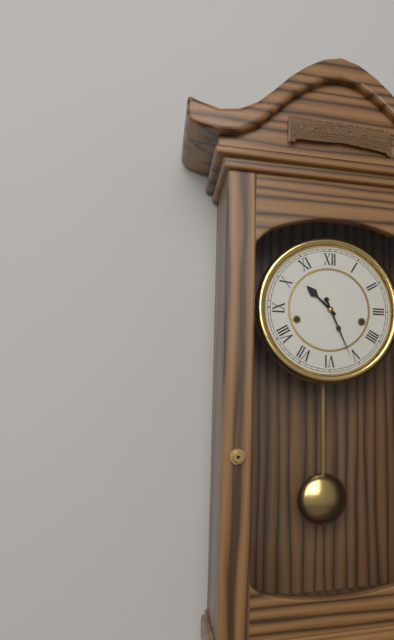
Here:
h=10 m=26
